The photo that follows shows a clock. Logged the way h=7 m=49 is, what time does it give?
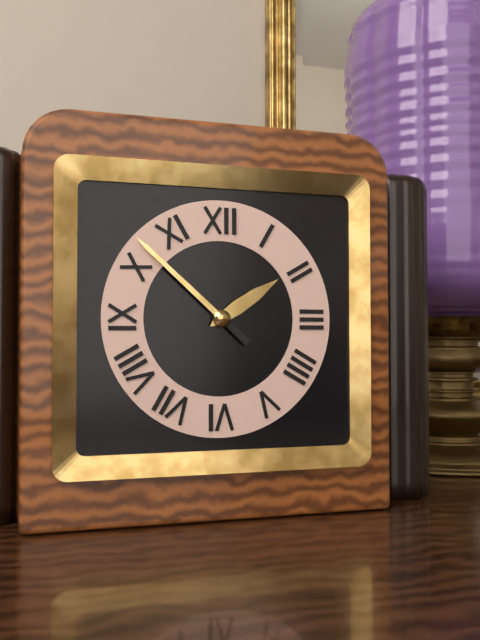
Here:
h=1 m=52
